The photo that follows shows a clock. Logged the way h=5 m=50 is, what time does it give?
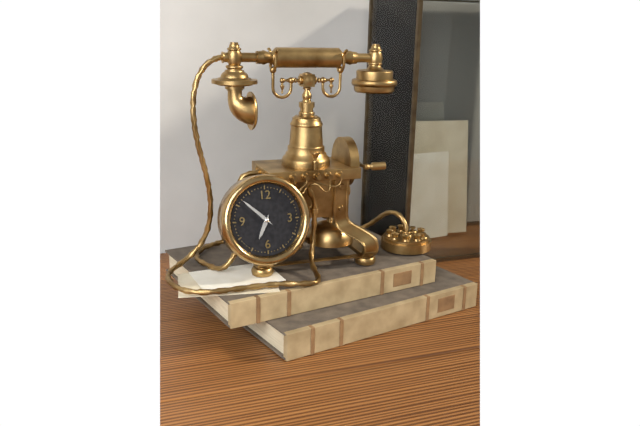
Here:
h=6 m=52
